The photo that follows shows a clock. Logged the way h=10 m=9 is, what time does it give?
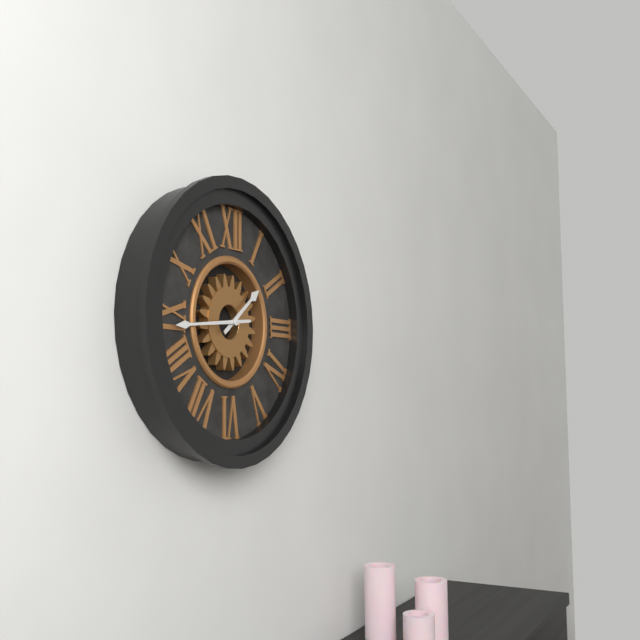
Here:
h=1 m=44
